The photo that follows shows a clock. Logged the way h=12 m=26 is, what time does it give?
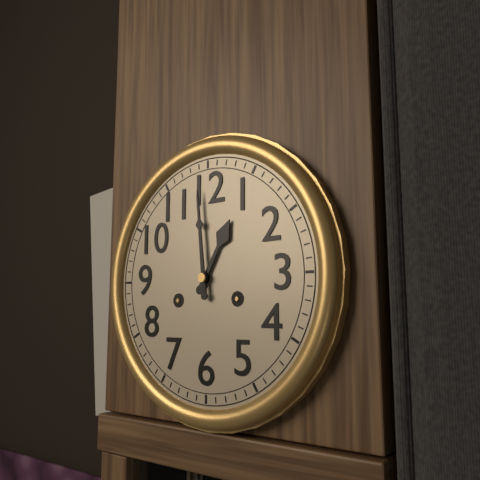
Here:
h=12 m=59
